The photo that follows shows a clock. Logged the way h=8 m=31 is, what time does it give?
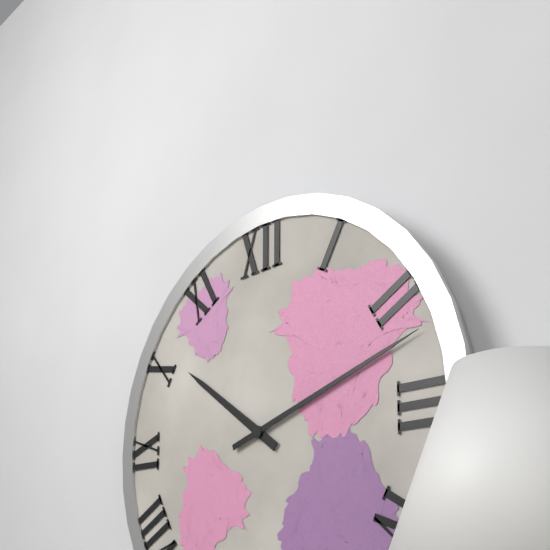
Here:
h=10 m=12
